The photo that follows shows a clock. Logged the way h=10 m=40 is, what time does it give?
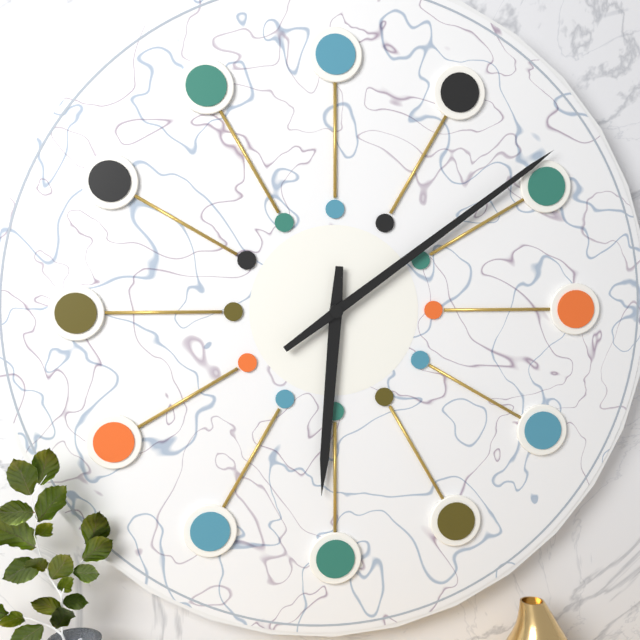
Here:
h=6 m=9
